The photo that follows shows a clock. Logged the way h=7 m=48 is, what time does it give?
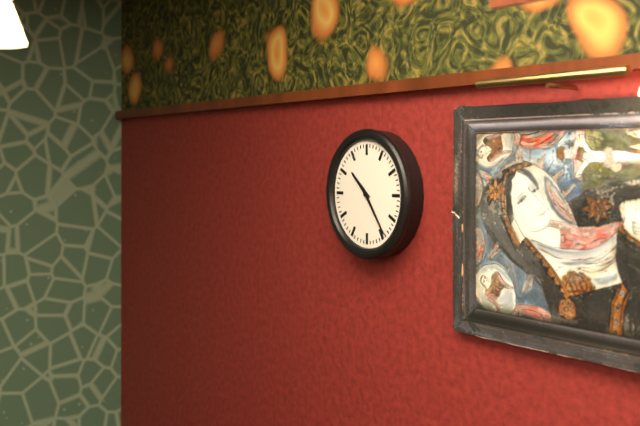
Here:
h=10 m=24
